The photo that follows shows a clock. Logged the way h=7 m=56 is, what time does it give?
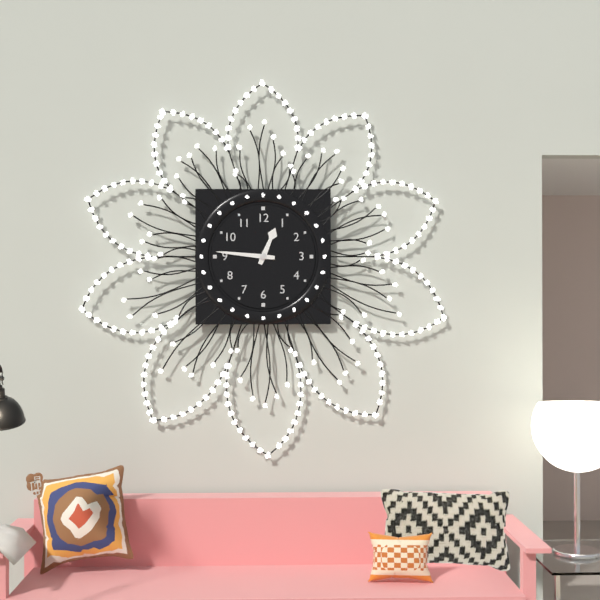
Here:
h=12 m=46
